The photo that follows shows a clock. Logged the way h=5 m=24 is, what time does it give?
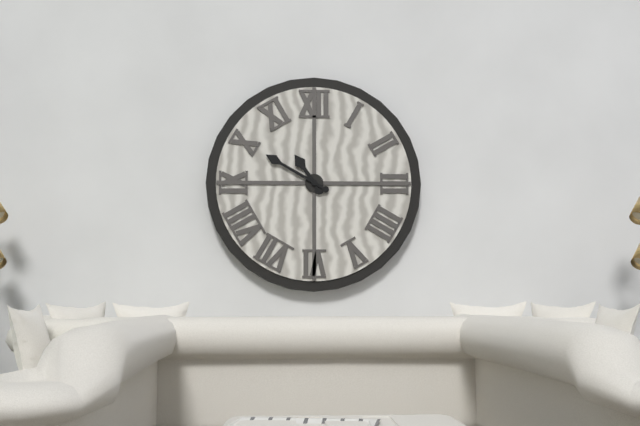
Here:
h=10 m=50
